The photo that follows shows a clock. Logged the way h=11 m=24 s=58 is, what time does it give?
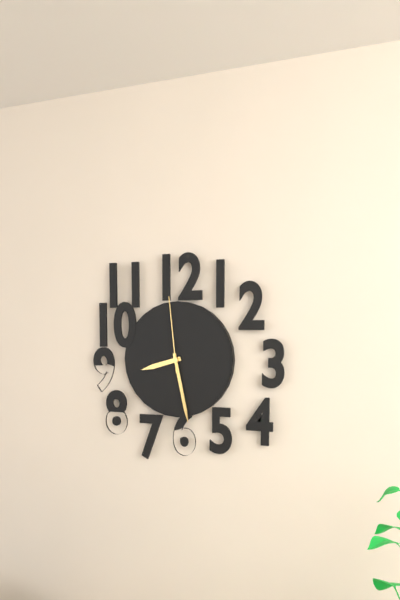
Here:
h=8 m=28 s=59
